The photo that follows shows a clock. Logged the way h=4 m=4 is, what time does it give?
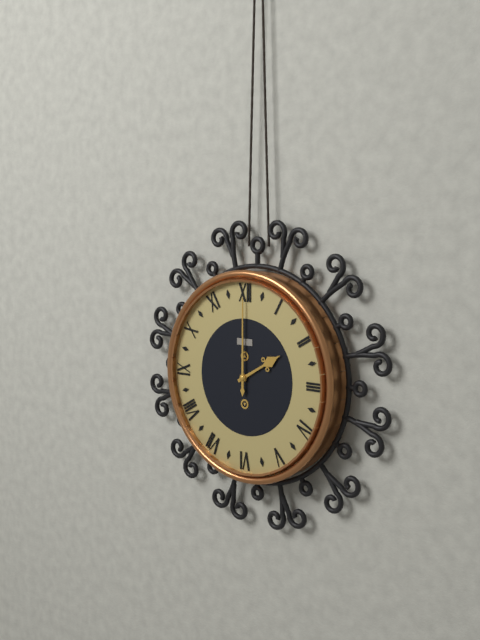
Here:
h=2 m=0
